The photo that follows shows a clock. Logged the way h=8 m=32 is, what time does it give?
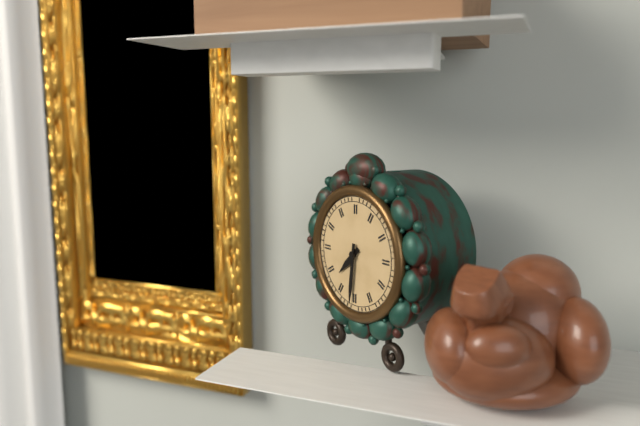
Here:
h=7 m=31
